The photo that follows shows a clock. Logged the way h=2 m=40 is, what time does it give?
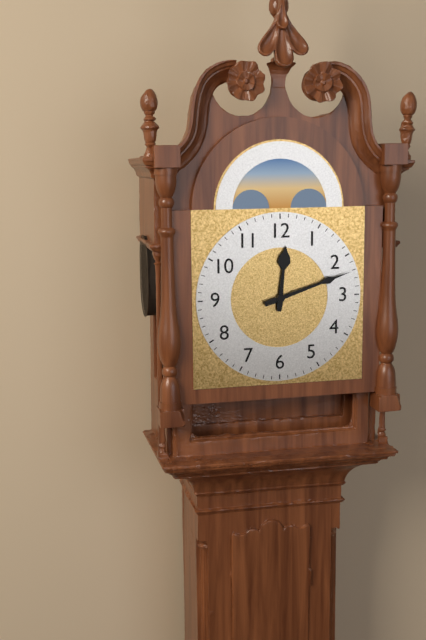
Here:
h=12 m=12
